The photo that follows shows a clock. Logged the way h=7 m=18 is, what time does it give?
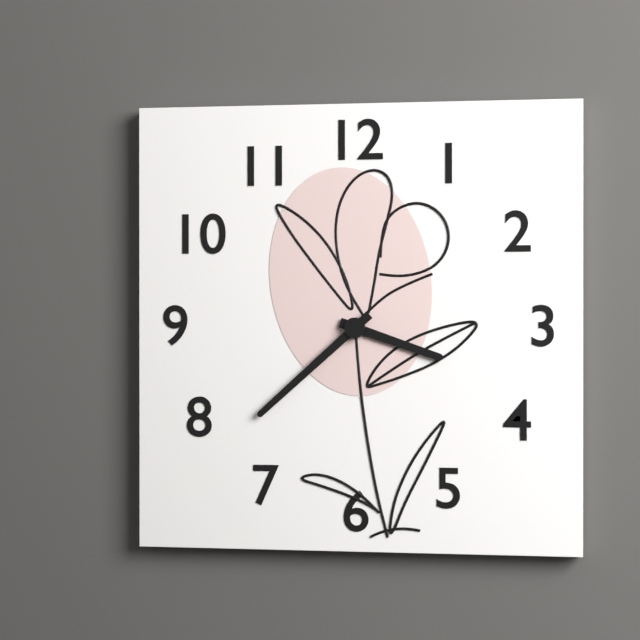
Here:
h=3 m=38
